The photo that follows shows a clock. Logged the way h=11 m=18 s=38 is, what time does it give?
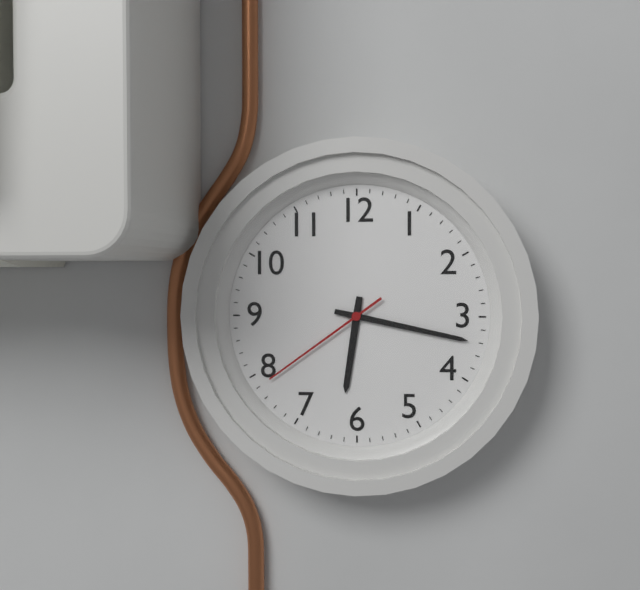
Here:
h=6 m=17 s=39
